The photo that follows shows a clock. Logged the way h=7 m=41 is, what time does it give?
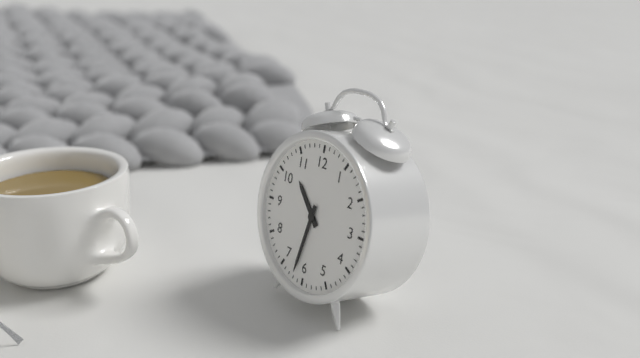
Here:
h=10 m=32
